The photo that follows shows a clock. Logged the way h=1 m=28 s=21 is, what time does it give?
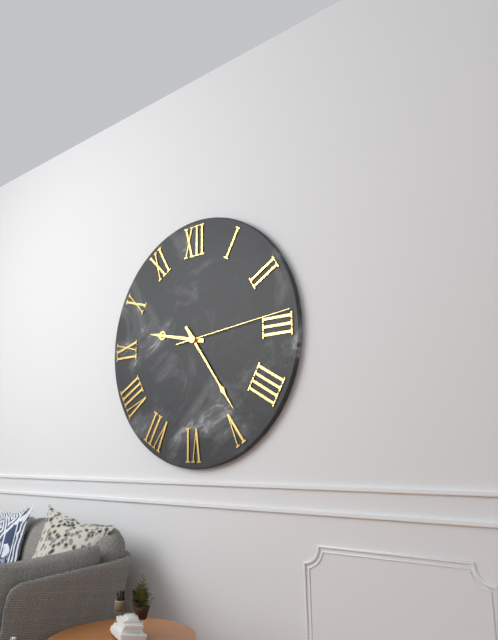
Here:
h=9 m=24 s=14
